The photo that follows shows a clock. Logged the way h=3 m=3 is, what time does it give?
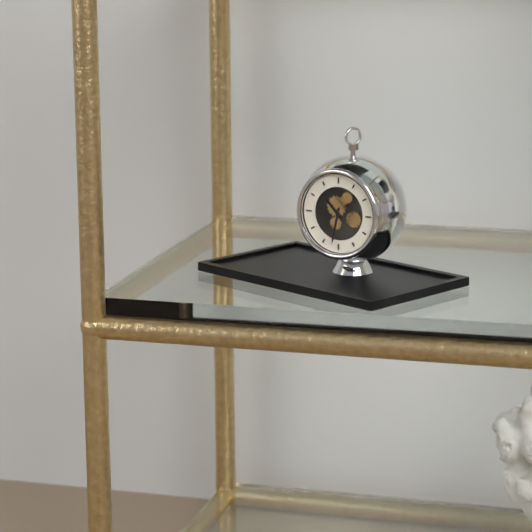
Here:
h=10 m=32
